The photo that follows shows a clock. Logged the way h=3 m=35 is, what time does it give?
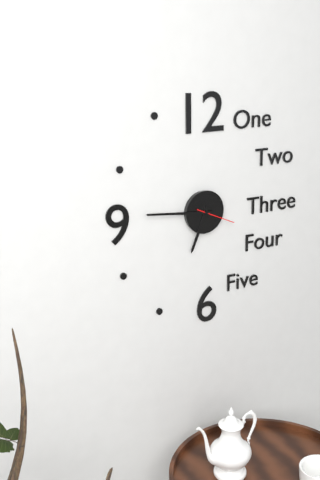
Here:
h=6 m=46
